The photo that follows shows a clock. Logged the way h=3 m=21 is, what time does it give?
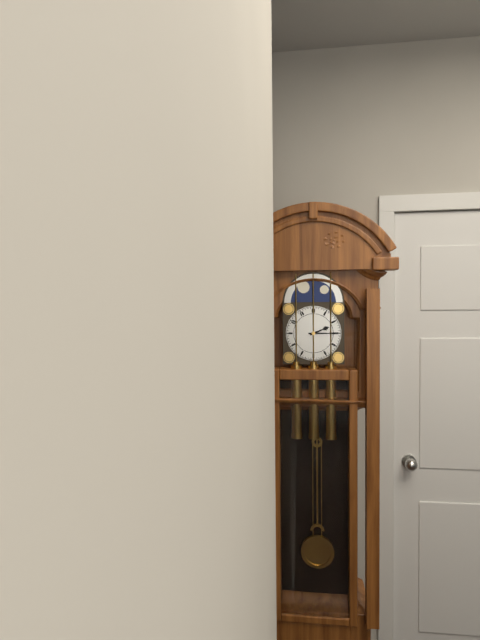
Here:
h=2 m=15
